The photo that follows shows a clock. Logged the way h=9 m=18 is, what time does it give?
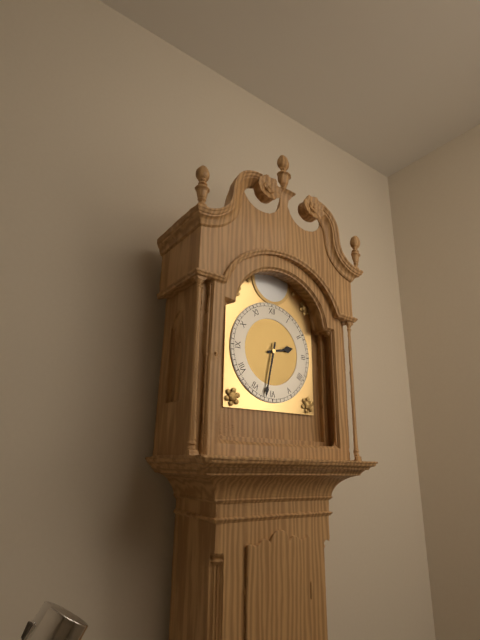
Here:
h=2 m=32
